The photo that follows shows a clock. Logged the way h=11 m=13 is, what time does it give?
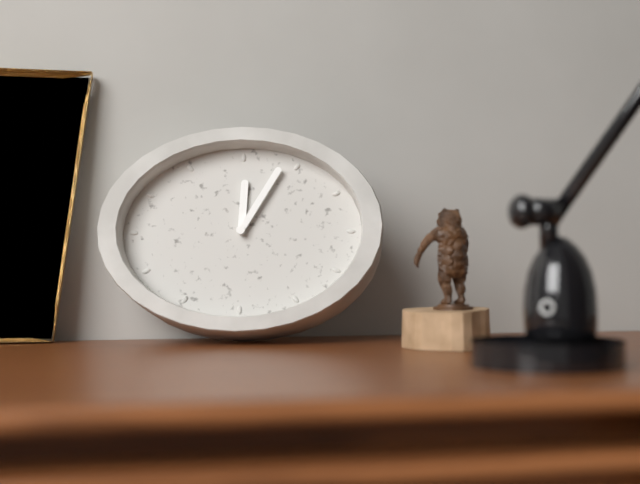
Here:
h=12 m=5
